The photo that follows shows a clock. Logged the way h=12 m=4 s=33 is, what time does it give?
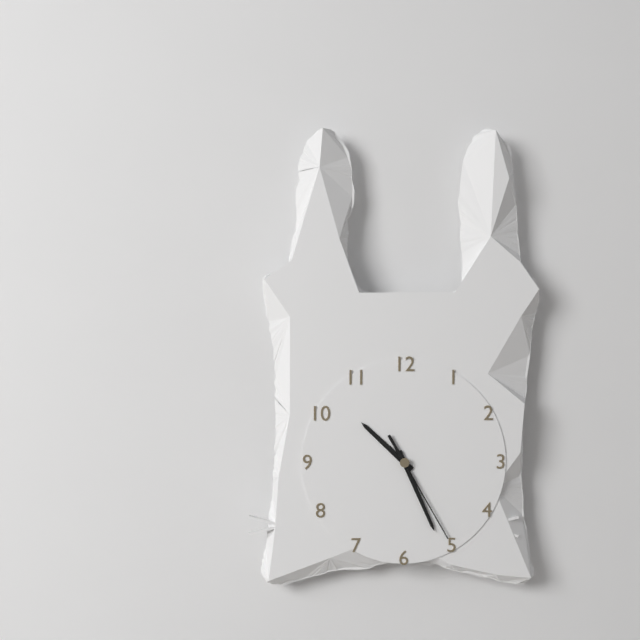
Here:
h=10 m=26 s=25
